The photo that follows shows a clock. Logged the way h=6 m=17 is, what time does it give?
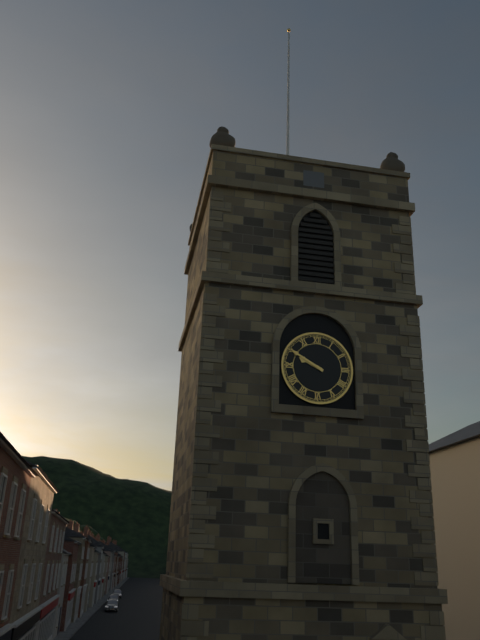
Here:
h=9 m=50
